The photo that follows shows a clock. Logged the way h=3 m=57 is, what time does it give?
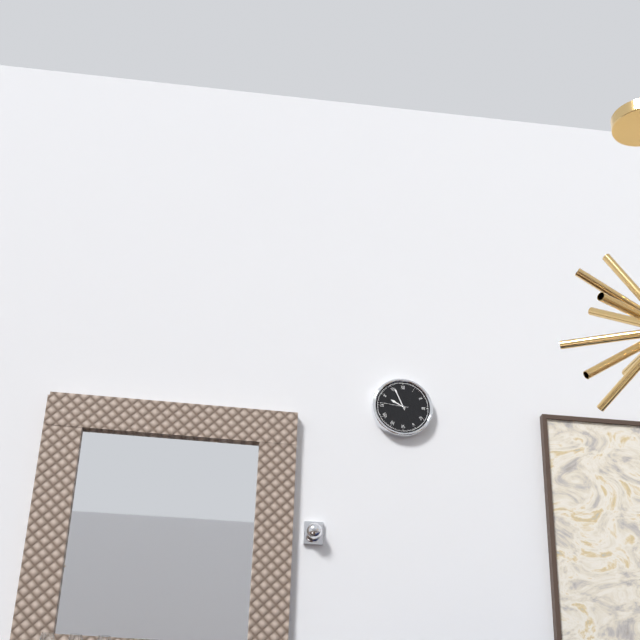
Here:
h=9 m=56
